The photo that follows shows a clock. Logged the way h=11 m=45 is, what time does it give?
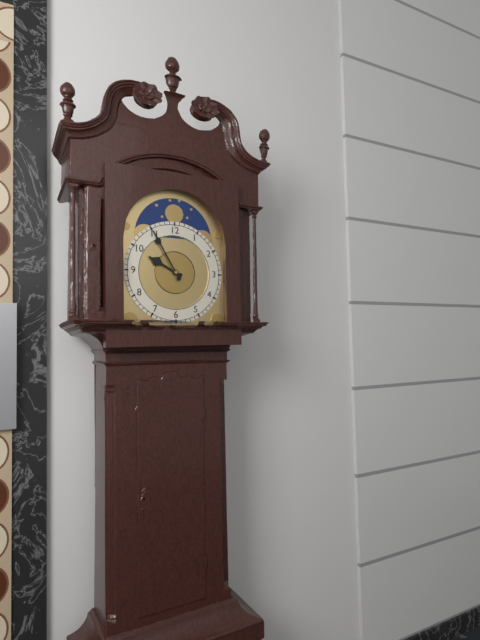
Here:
h=9 m=55
